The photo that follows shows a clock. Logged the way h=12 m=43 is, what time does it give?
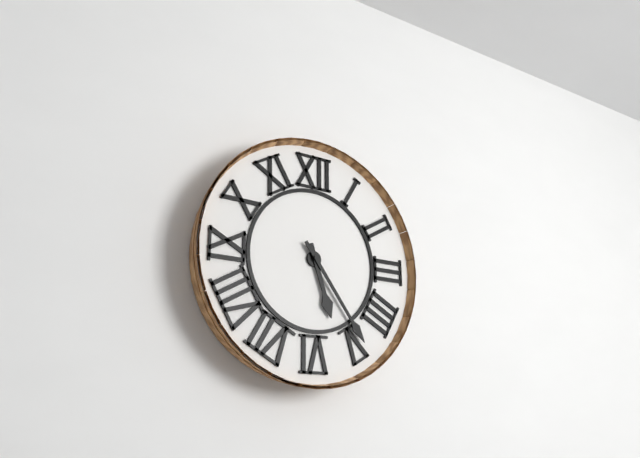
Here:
h=5 m=24
